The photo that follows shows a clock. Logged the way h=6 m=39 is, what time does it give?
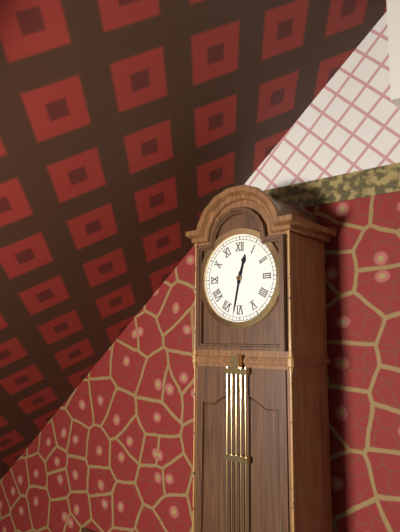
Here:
h=12 m=32
